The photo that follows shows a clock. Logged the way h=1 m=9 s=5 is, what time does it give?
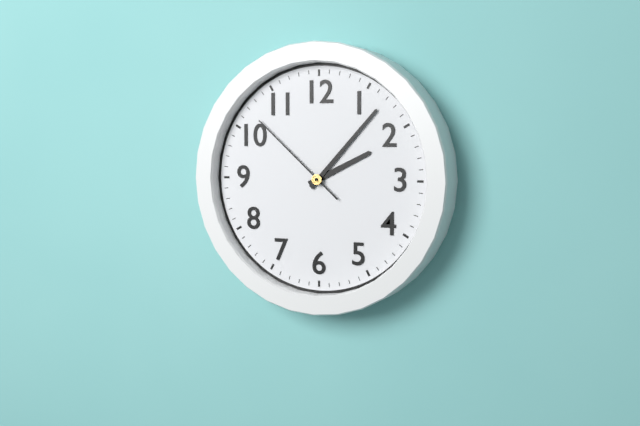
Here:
h=2 m=7 s=52
